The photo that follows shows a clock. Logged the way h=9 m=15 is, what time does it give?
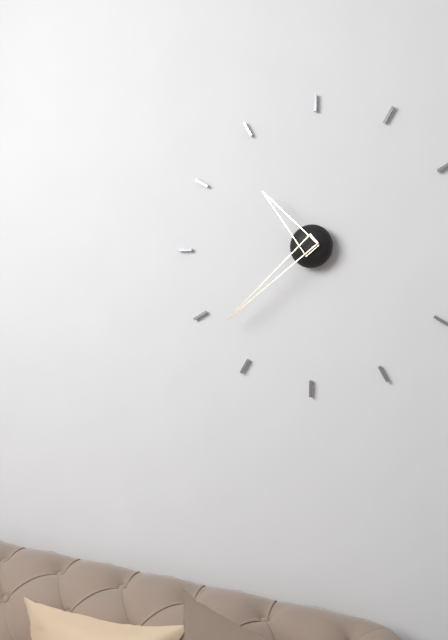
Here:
h=10 m=38
